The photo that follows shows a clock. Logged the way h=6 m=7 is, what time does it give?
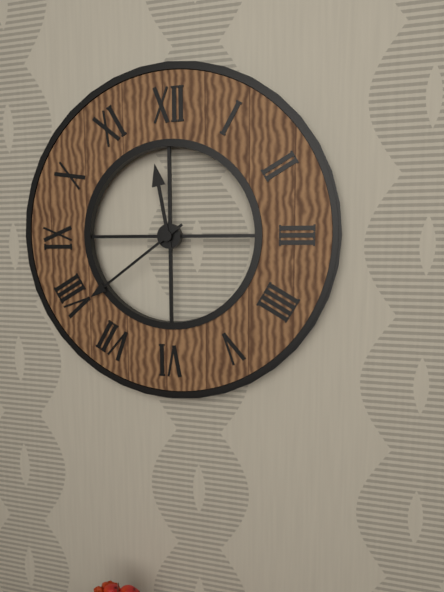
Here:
h=11 m=39
